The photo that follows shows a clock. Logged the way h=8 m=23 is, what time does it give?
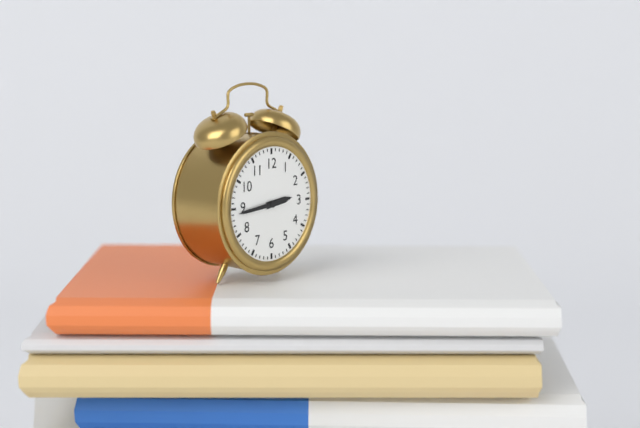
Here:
h=2 m=44
